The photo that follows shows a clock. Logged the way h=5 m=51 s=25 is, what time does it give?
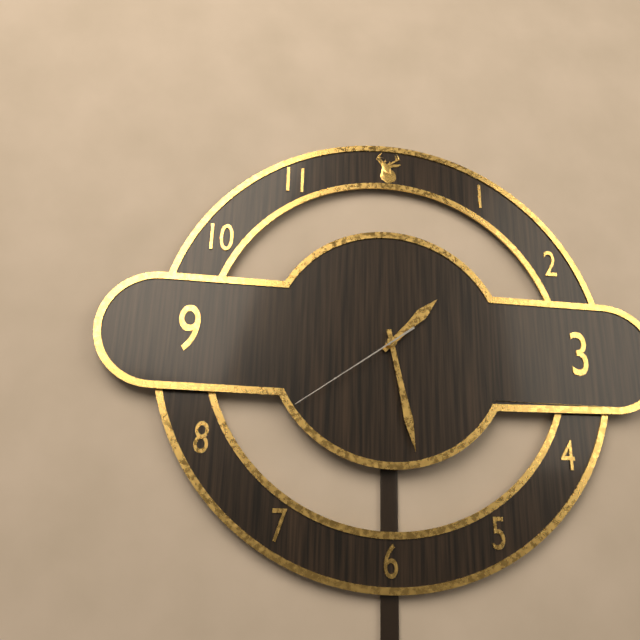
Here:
h=1 m=28 s=39
